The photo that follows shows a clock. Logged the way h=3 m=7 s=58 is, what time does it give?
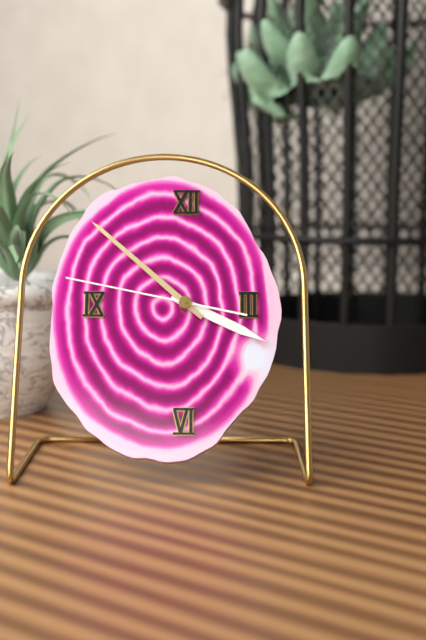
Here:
h=3 m=52 s=47
